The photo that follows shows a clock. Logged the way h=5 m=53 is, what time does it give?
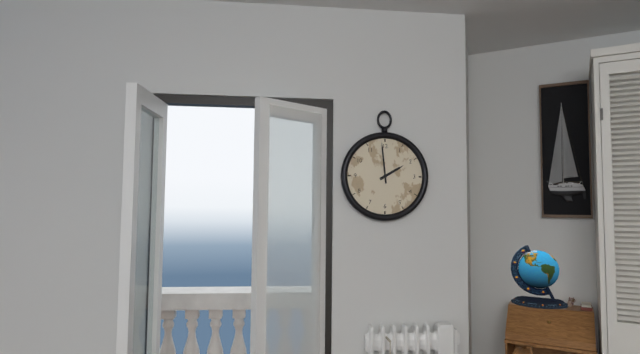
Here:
h=1 m=59
